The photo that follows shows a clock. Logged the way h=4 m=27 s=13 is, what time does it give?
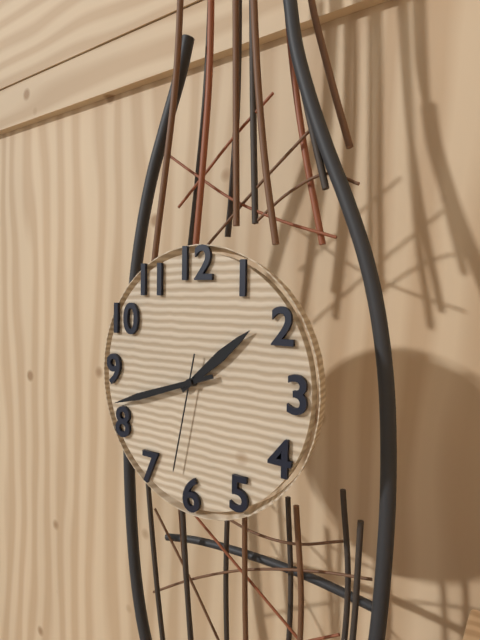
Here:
h=1 m=42 s=32
